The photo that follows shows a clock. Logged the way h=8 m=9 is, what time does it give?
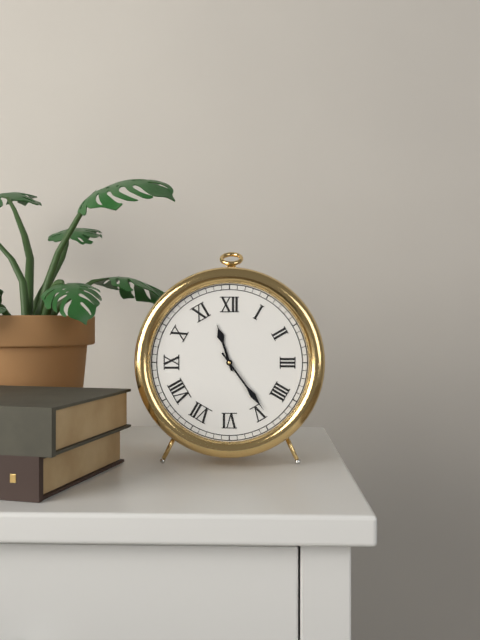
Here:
h=11 m=24
